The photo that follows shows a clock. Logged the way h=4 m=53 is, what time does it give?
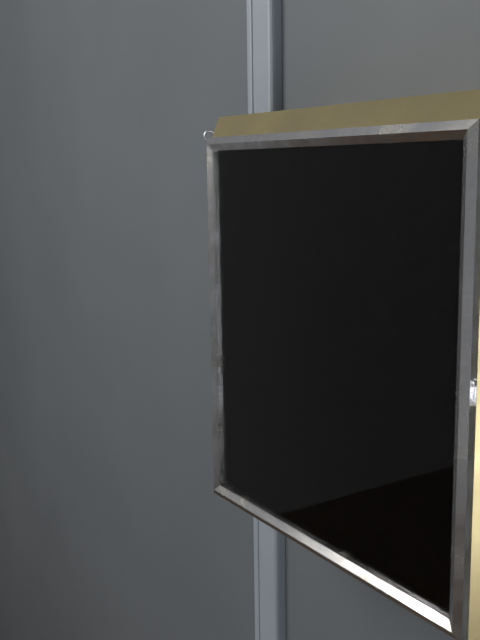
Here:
h=2 m=32
